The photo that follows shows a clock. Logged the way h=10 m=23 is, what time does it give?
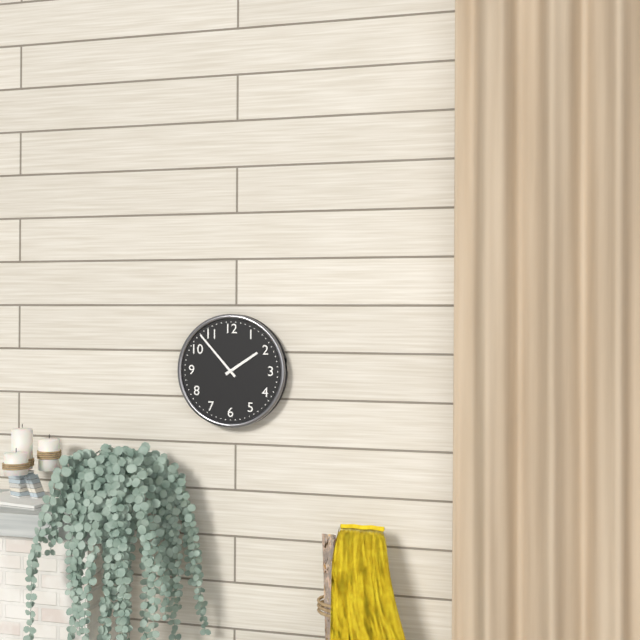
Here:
h=1 m=53
